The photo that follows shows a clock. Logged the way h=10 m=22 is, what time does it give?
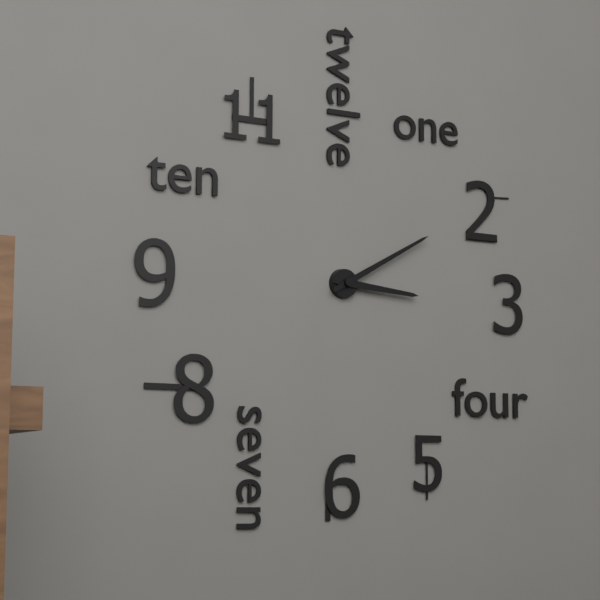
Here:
h=3 m=10
